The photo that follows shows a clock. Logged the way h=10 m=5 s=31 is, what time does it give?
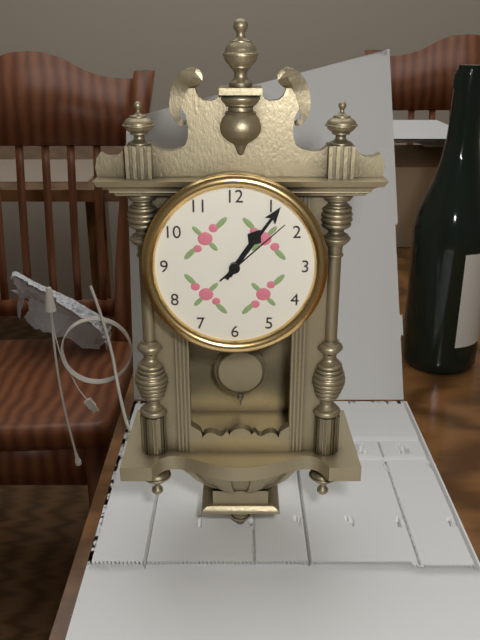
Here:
h=1 m=6 s=8
